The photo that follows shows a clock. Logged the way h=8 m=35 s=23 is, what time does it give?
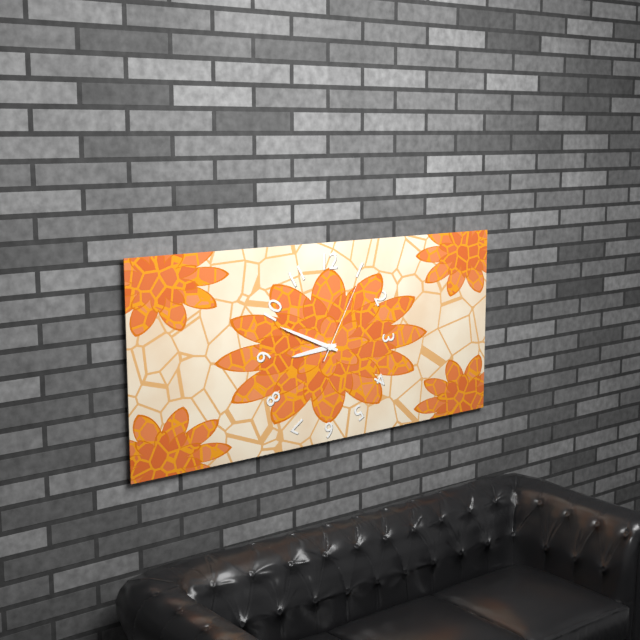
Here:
h=8 m=49 s=5
